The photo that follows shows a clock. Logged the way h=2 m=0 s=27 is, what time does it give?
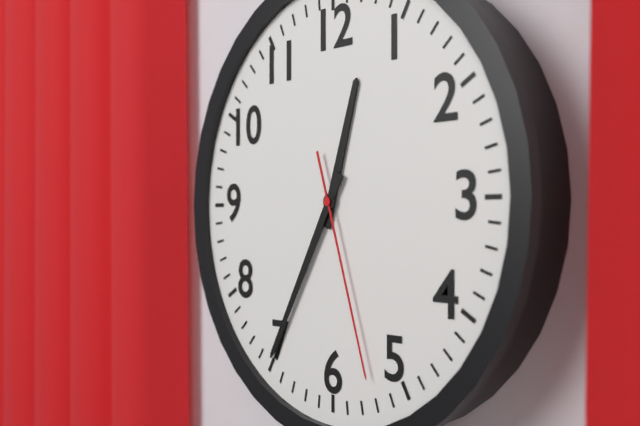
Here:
h=12 m=35 s=27
